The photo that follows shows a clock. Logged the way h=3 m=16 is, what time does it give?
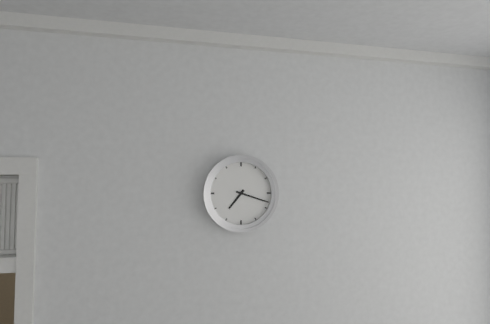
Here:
h=7 m=18
